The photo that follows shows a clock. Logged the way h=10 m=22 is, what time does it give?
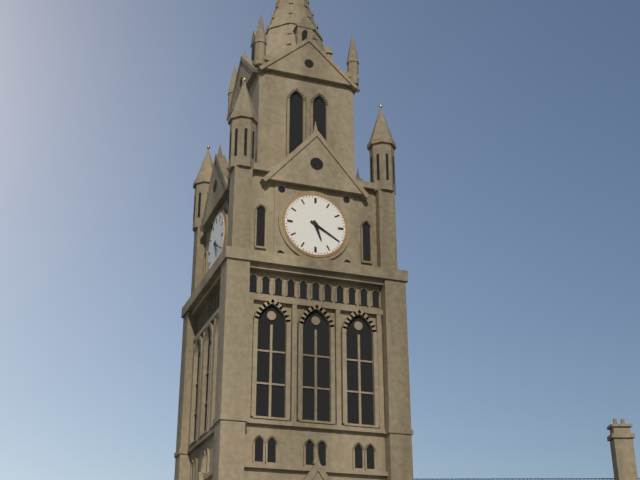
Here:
h=5 m=20
